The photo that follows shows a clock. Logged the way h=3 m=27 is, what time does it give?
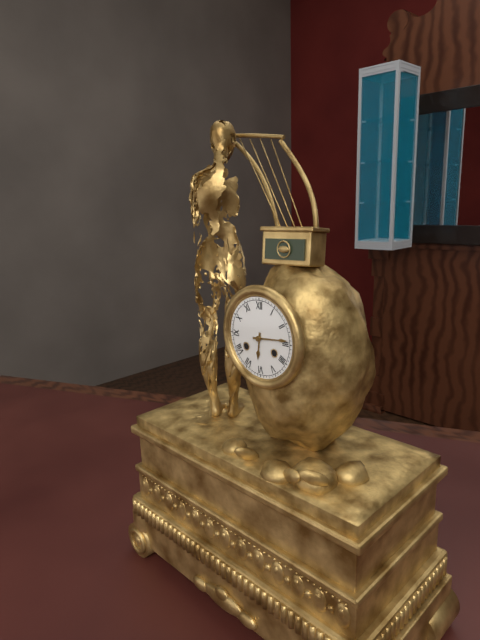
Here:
h=6 m=14
